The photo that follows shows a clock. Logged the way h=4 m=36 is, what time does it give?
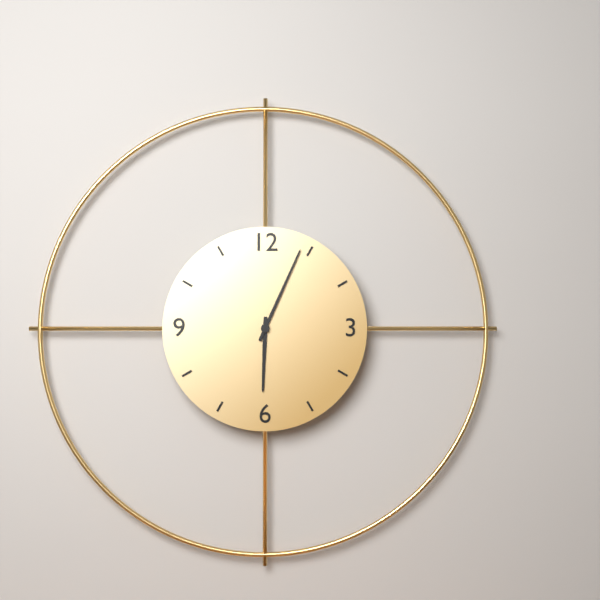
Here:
h=6 m=4
